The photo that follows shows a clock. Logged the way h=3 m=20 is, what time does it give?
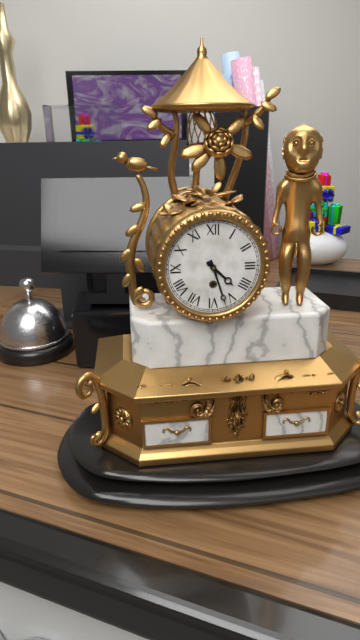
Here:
h=4 m=27
